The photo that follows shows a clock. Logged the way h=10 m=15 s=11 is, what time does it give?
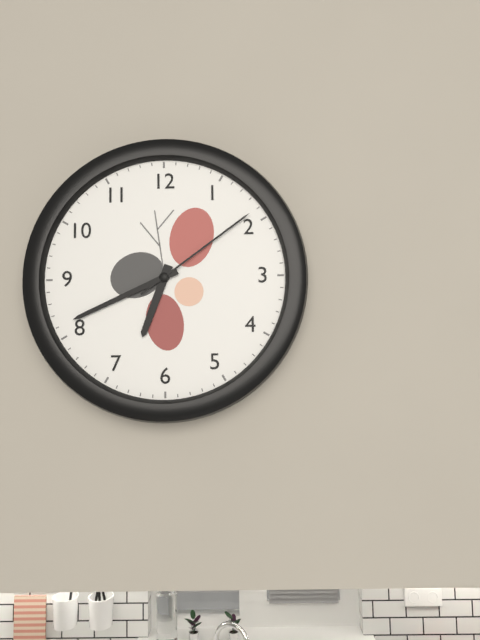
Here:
h=6 m=41 s=9
